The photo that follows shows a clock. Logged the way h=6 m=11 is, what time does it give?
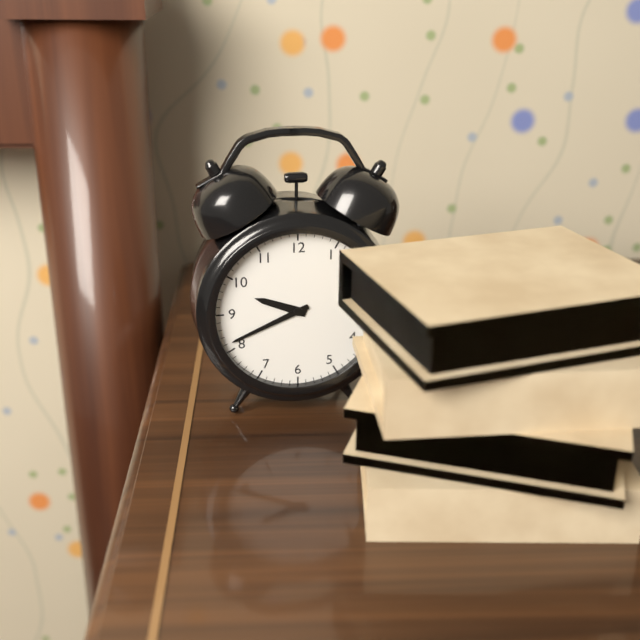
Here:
h=9 m=41
